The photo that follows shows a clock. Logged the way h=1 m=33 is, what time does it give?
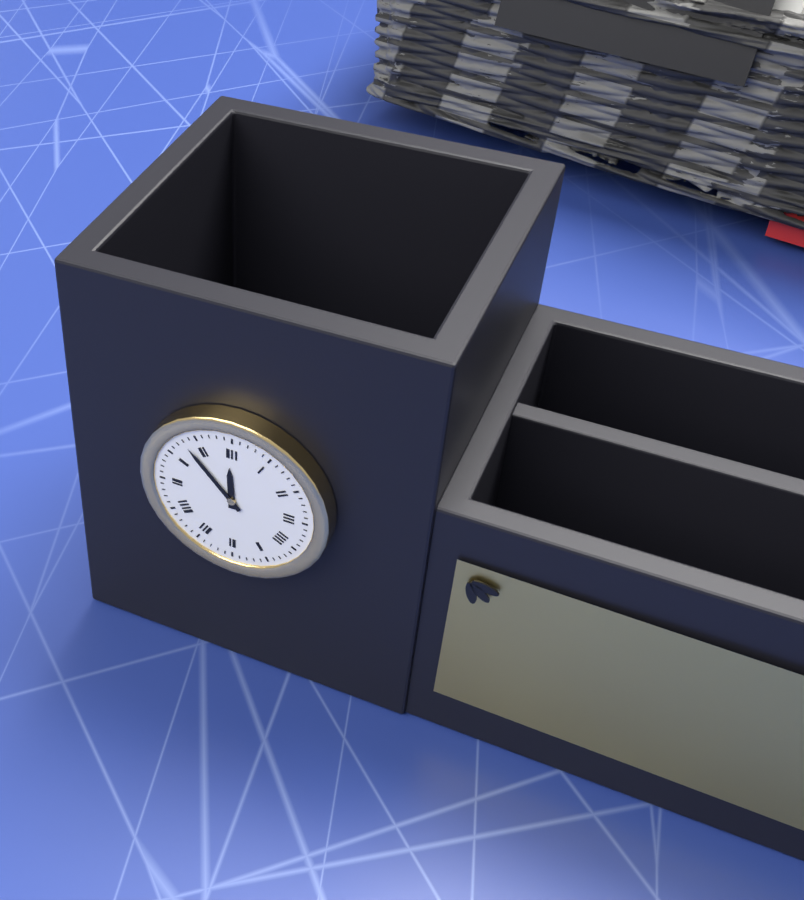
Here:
h=11 m=53
